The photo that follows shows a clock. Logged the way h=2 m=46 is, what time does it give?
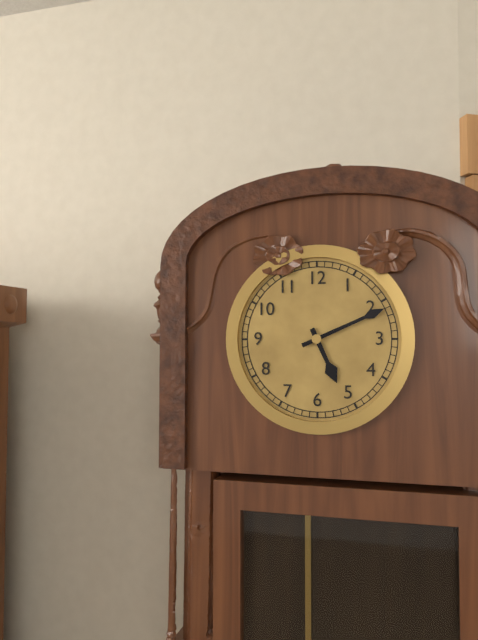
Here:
h=5 m=11
